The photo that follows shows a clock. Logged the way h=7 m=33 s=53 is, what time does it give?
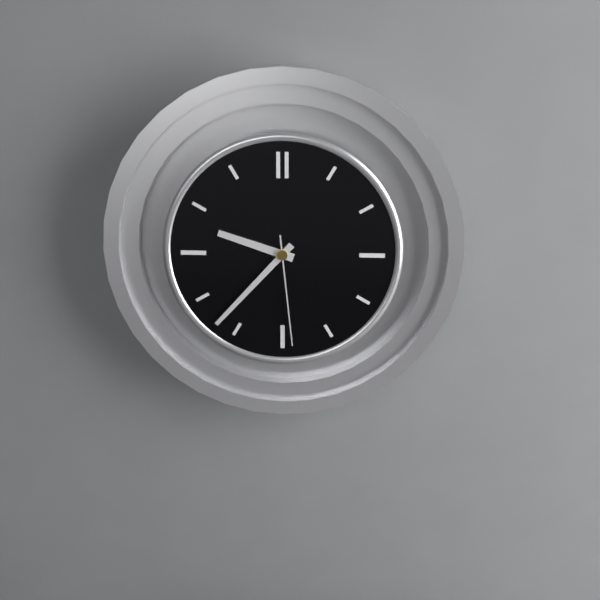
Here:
h=9 m=37 s=29
